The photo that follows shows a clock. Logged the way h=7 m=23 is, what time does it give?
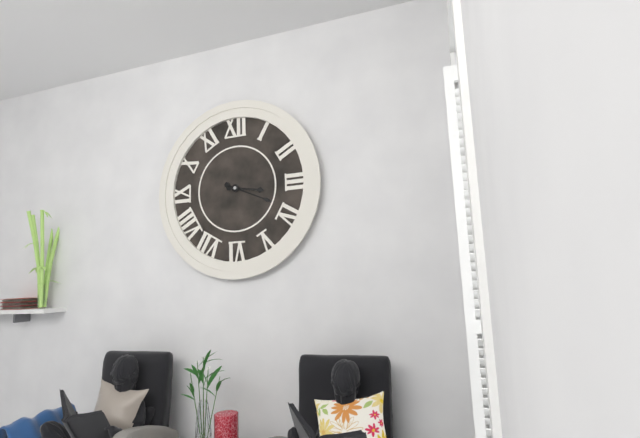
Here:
h=3 m=19
